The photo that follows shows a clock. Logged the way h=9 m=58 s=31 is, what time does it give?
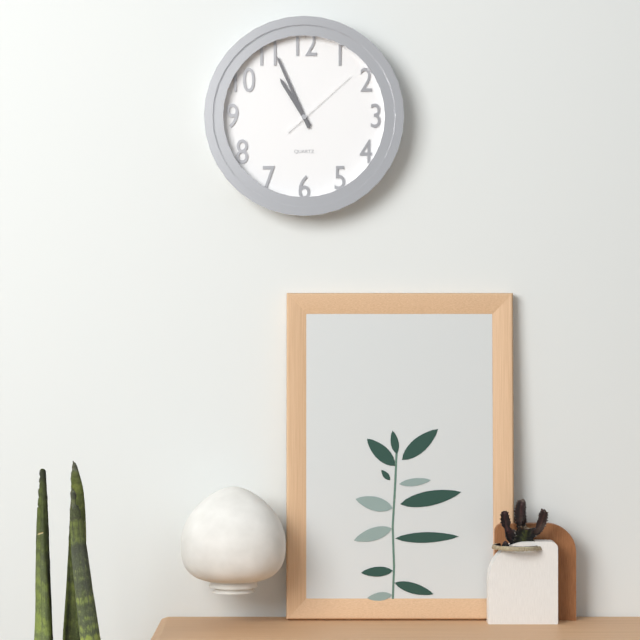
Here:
h=10 m=56 s=8
